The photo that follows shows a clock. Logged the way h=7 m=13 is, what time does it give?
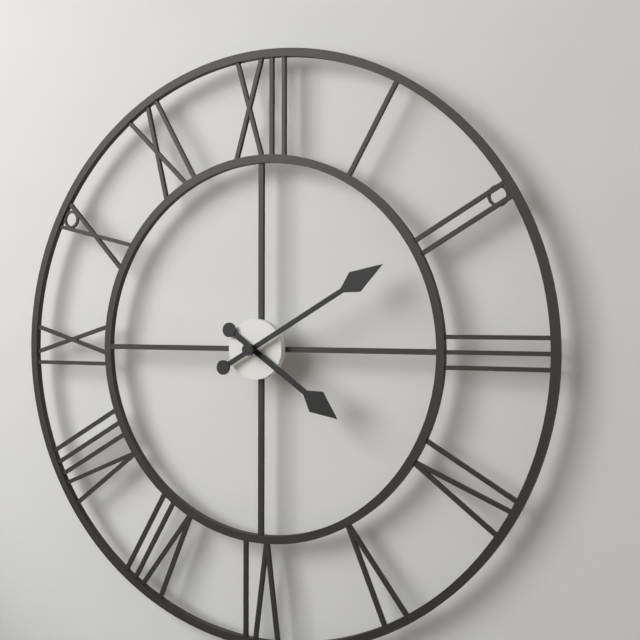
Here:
h=4 m=10
